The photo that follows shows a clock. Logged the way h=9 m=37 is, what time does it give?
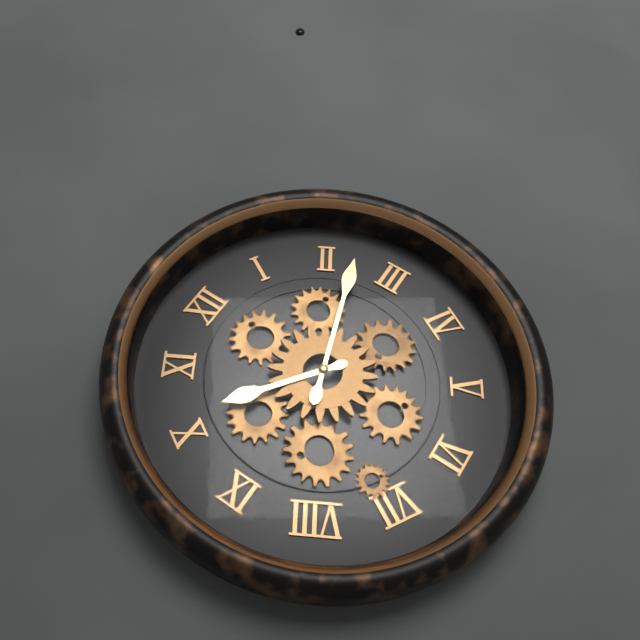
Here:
h=10 m=12
